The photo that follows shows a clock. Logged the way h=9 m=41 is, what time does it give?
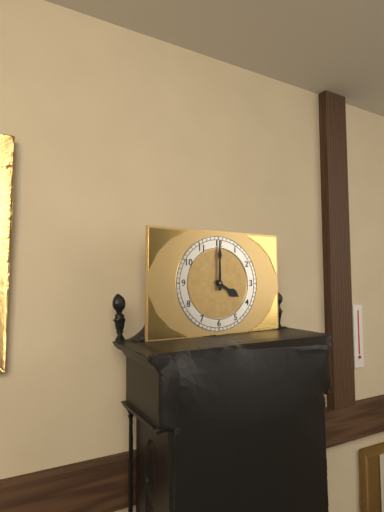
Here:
h=4 m=0
